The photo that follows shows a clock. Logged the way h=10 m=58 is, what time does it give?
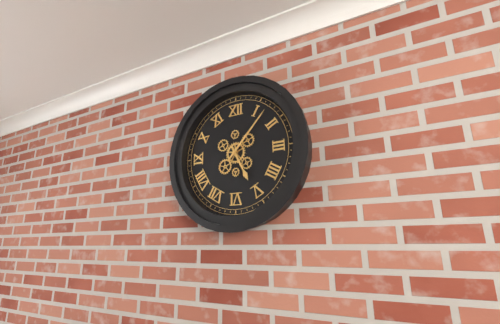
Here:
h=5 m=7
